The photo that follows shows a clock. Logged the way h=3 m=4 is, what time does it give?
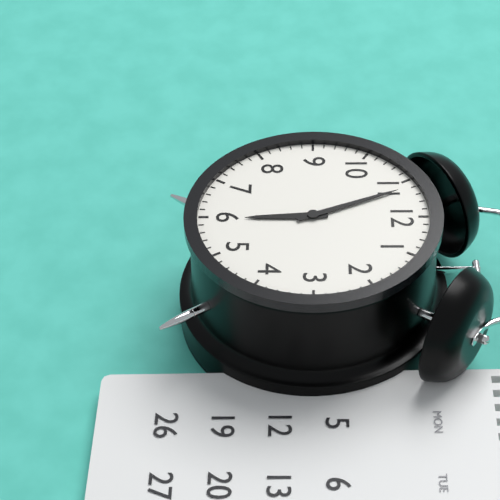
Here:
h=5 m=56
